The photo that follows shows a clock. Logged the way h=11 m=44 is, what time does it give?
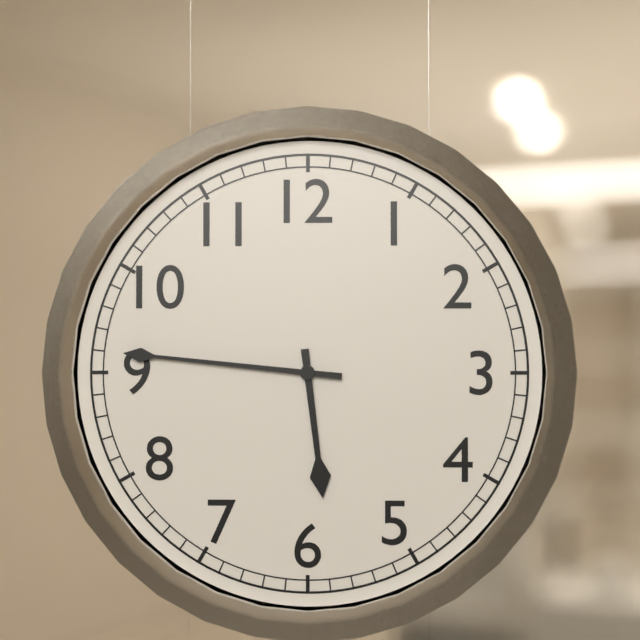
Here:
h=5 m=46
